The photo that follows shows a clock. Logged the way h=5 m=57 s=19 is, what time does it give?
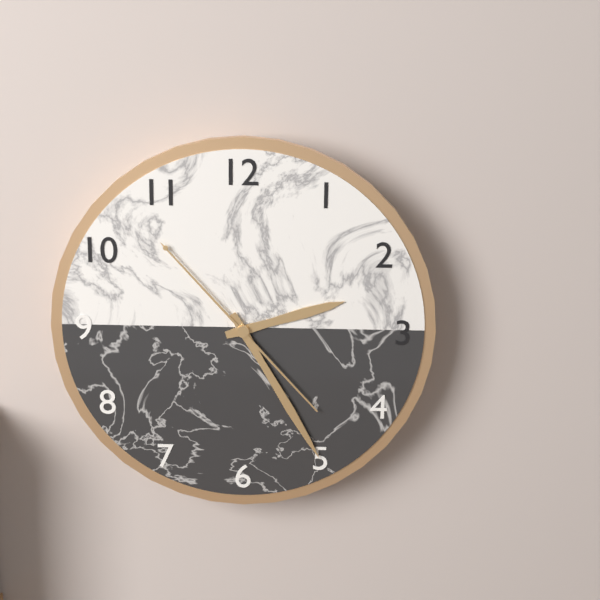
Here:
h=2 m=25 s=53
